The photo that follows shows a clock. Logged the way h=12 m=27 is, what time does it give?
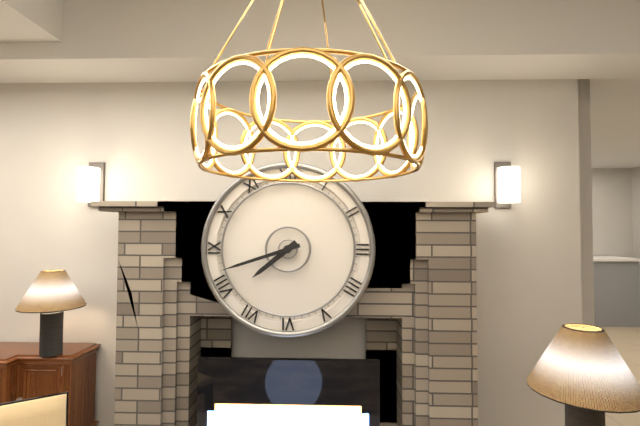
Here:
h=7 m=42
